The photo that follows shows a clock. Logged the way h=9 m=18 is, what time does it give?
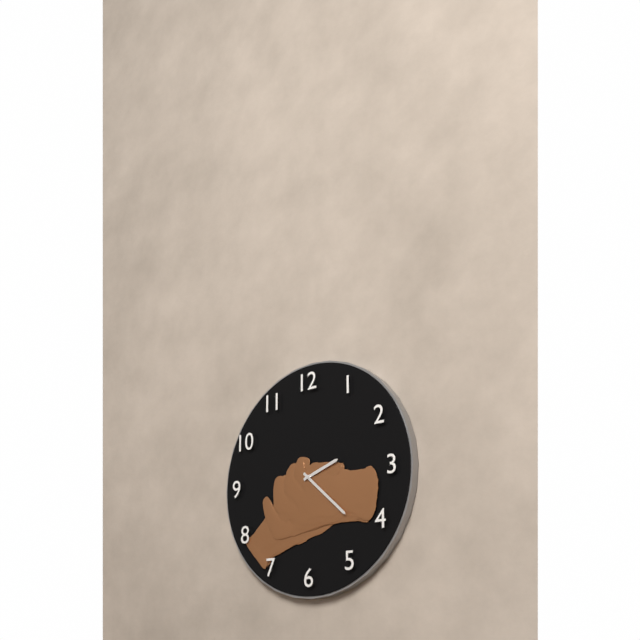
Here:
h=2 m=22
